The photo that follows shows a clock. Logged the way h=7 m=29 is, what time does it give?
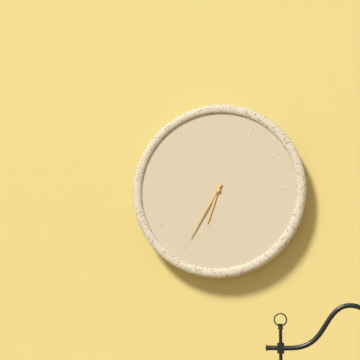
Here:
h=6 m=35
